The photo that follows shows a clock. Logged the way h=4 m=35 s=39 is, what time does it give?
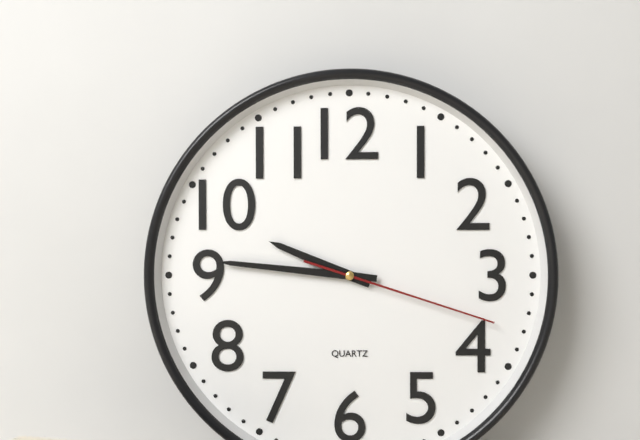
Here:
h=9 m=46 s=18
